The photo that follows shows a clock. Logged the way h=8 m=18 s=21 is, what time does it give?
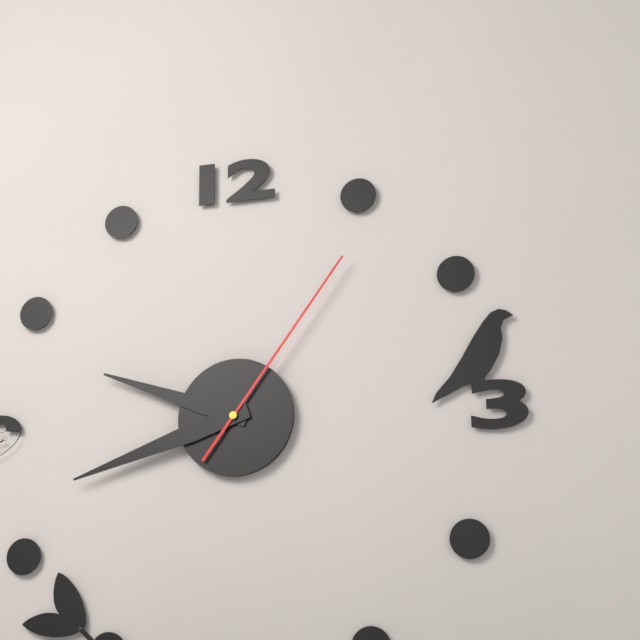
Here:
h=9 m=42 s=6
